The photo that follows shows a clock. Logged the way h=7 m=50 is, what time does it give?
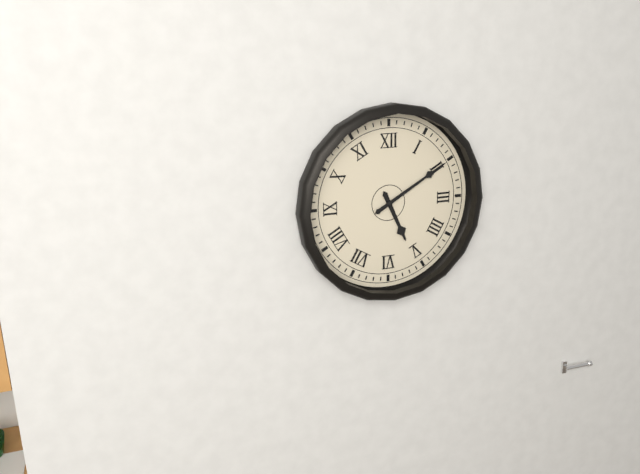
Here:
h=5 m=10
